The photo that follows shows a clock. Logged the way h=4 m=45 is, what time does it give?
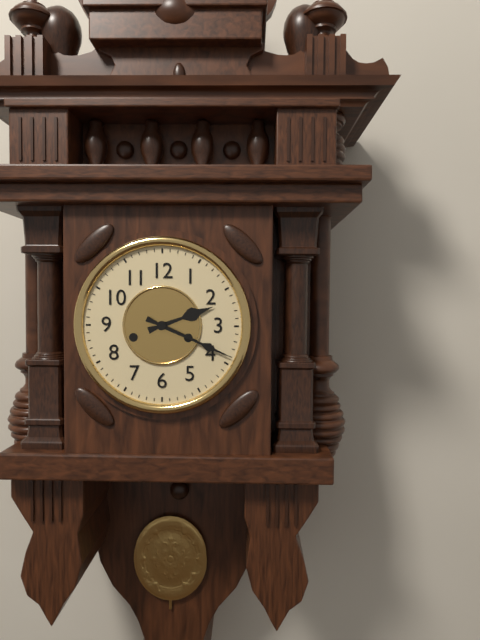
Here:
h=2 m=19
